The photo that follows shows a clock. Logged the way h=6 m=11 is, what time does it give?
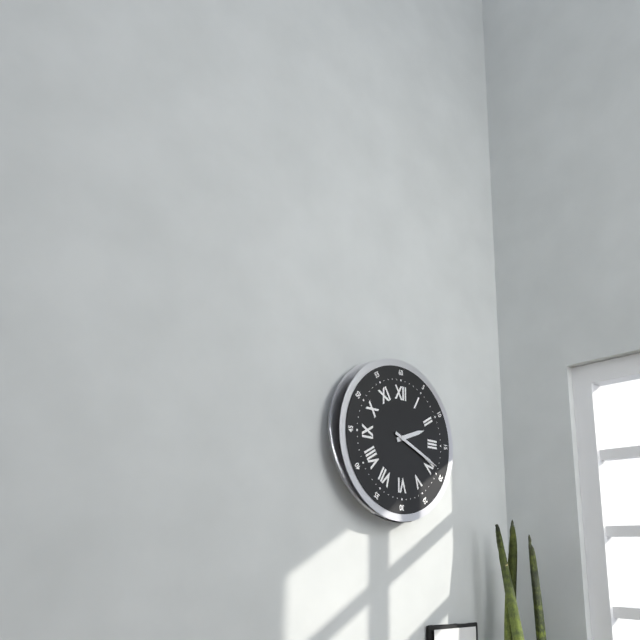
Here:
h=2 m=19
